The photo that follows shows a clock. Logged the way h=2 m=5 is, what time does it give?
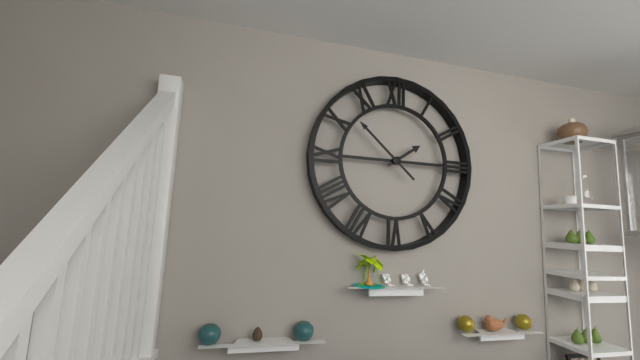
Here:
h=1 m=52
